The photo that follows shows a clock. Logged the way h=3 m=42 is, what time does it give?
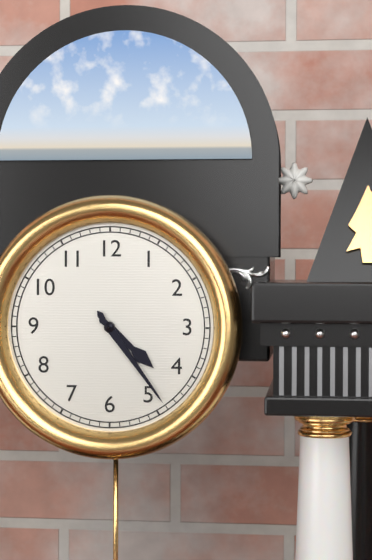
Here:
h=4 m=24
